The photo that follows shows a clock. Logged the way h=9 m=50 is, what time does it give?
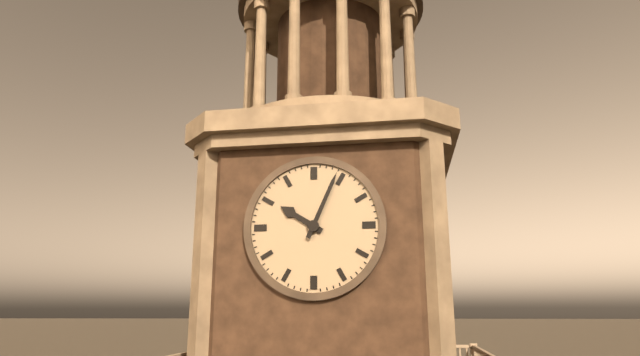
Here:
h=10 m=4
